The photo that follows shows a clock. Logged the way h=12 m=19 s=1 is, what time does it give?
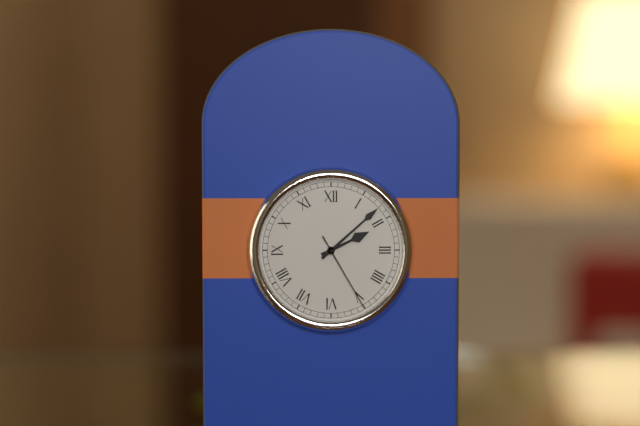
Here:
h=2 m=8 s=25
